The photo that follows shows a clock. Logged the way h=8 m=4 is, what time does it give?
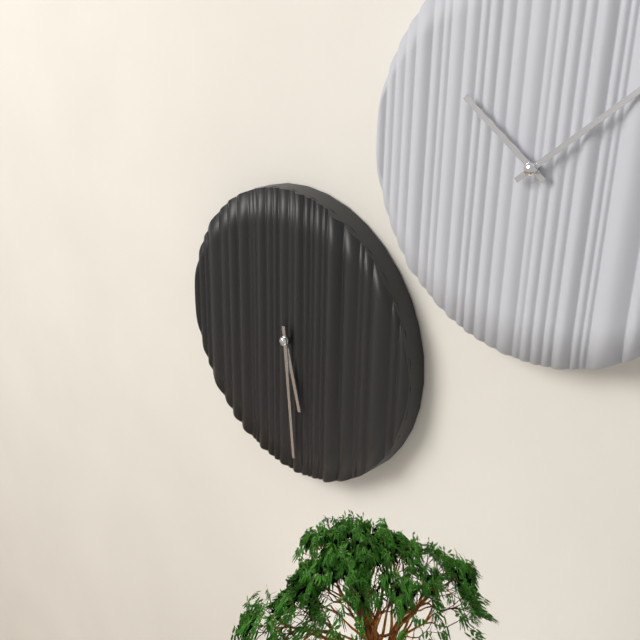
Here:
h=5 m=29
